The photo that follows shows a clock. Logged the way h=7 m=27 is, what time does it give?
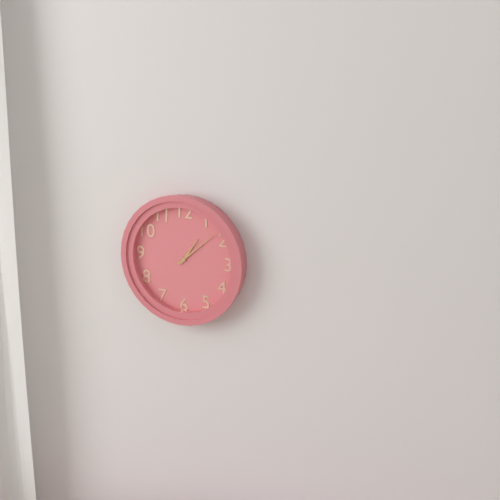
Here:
h=1 m=8
